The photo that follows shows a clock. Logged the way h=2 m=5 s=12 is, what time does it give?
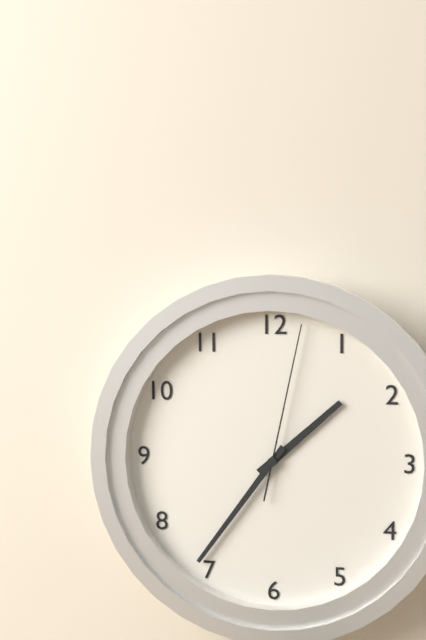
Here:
h=1 m=36 s=2
